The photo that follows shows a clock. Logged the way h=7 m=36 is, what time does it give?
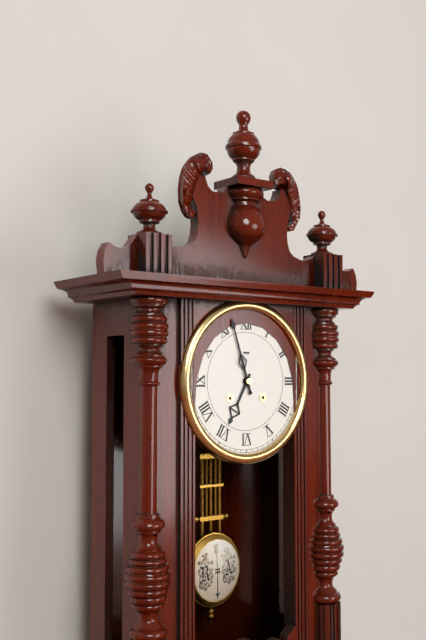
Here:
h=6 m=57
